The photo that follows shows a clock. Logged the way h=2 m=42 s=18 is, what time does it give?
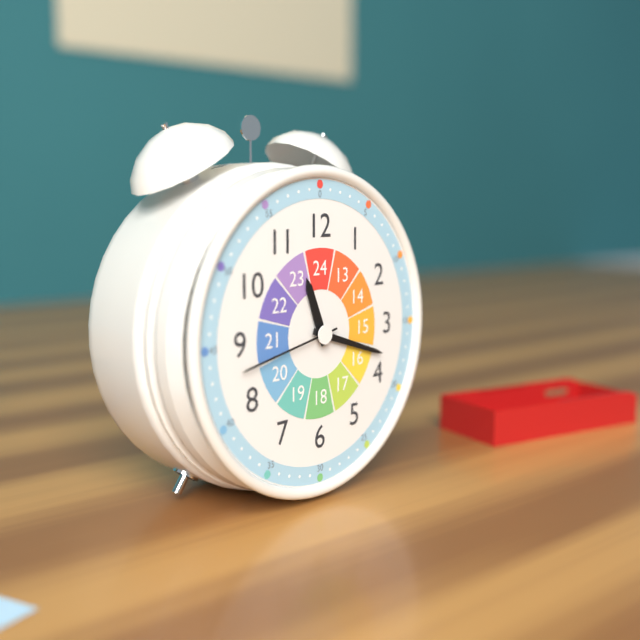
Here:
h=11 m=18 s=43
